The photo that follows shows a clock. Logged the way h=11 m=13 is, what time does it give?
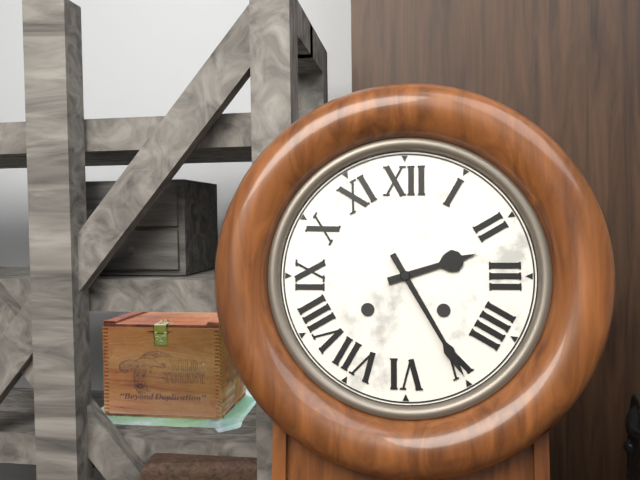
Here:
h=2 m=25
